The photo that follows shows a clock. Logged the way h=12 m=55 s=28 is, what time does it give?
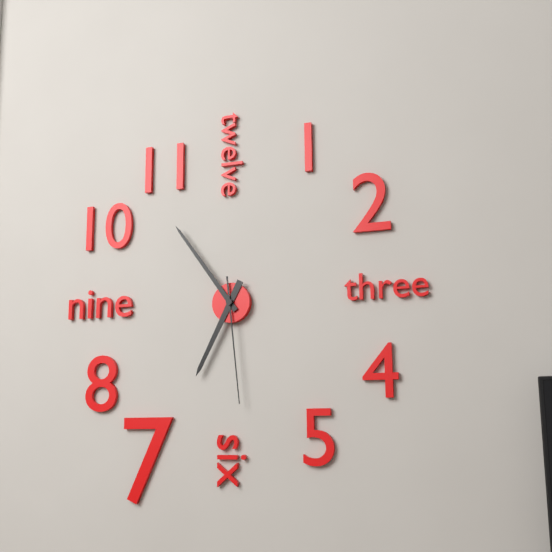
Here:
h=6 m=54 s=29
